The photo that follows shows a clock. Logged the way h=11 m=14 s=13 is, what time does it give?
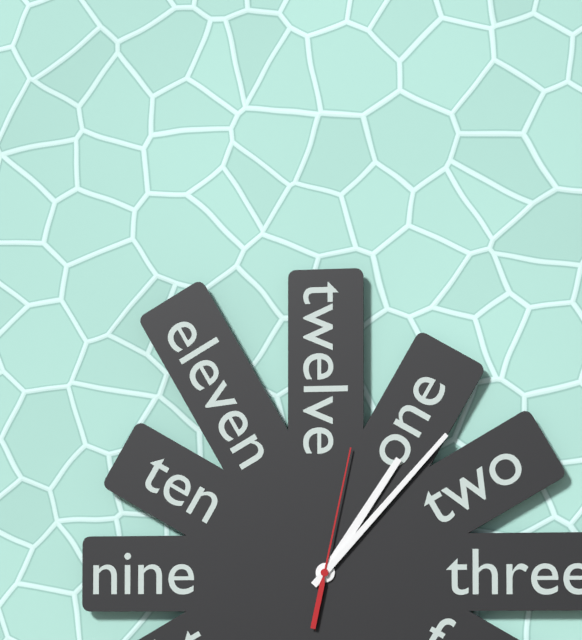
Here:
h=1 m=7 s=2
